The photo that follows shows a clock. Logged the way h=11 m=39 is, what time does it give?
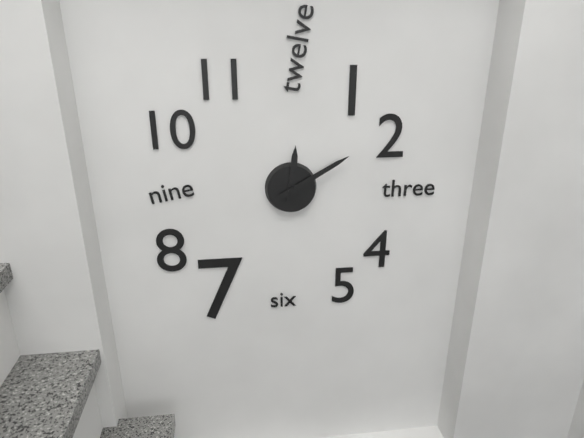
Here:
h=12 m=10
